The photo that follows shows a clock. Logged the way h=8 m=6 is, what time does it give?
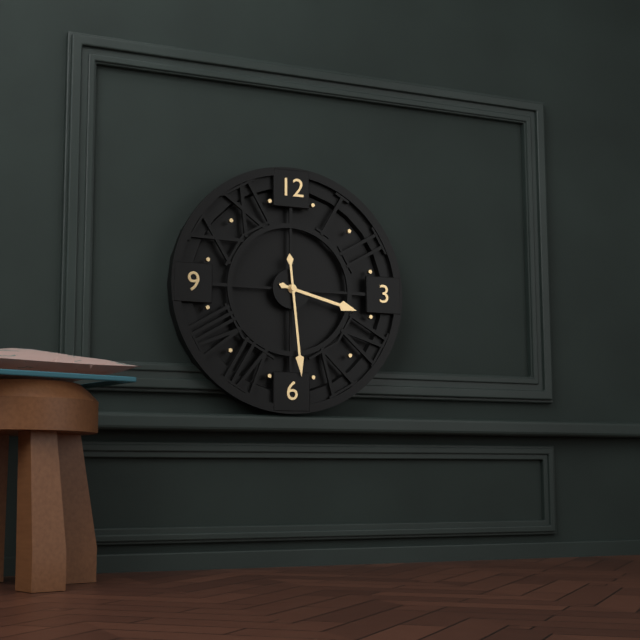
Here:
h=3 m=29
